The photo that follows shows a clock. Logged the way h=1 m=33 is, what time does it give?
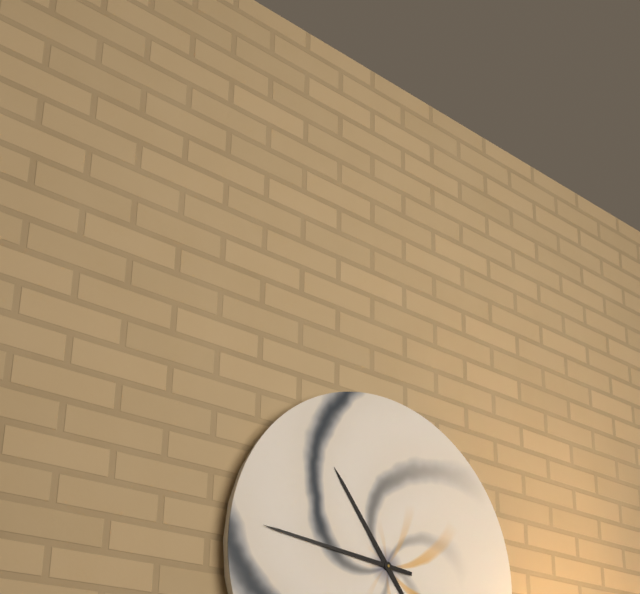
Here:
h=10 m=46
